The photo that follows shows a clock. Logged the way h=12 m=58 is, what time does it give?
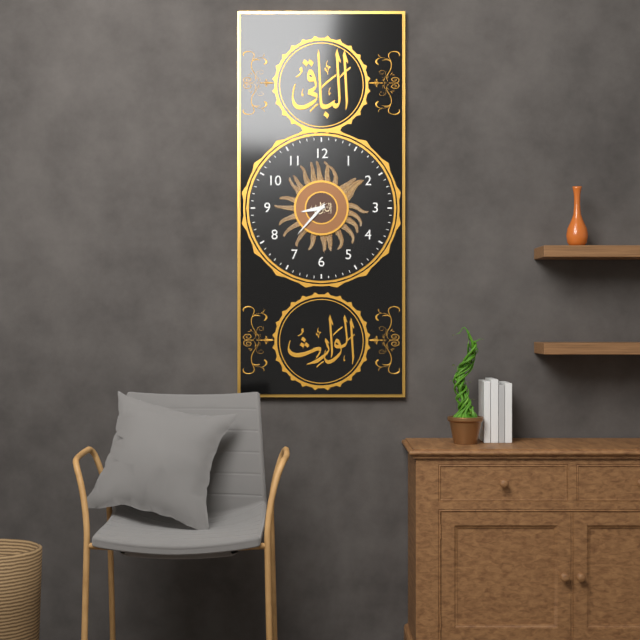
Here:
h=8 m=37
